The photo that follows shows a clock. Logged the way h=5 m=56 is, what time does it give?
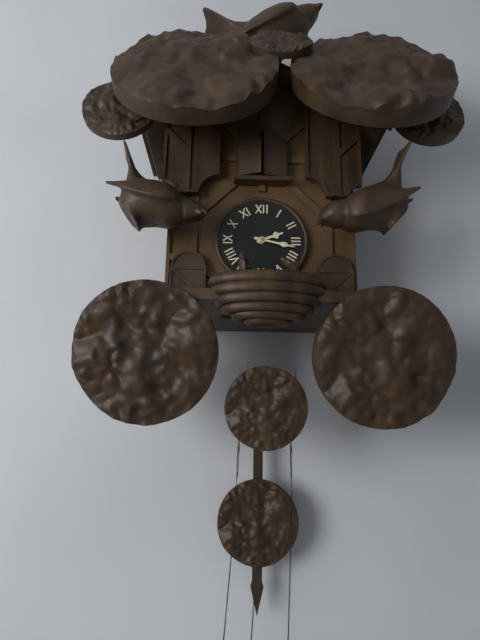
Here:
h=2 m=17
